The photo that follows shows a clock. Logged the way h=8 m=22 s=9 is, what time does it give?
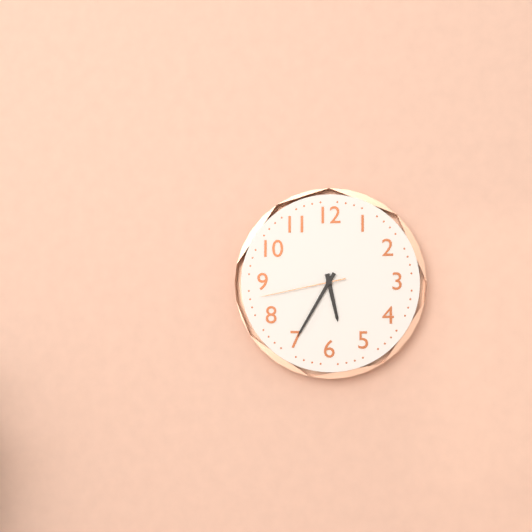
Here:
h=5 m=35 s=43
